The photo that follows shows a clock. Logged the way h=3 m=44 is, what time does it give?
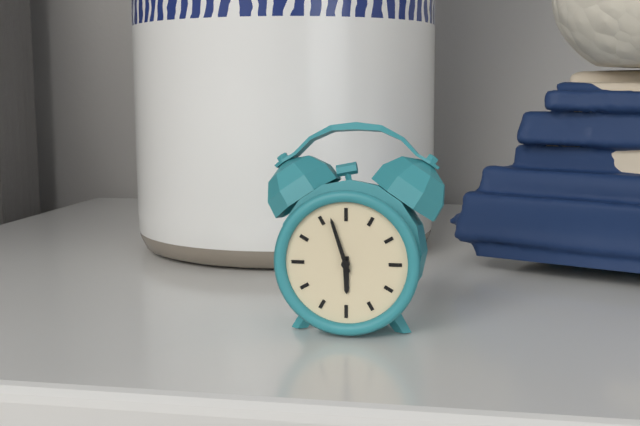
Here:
h=5 m=57
